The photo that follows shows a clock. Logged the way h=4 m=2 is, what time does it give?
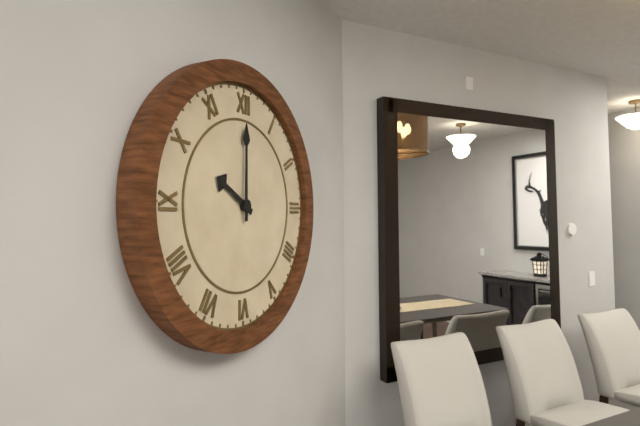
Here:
h=10 m=0
